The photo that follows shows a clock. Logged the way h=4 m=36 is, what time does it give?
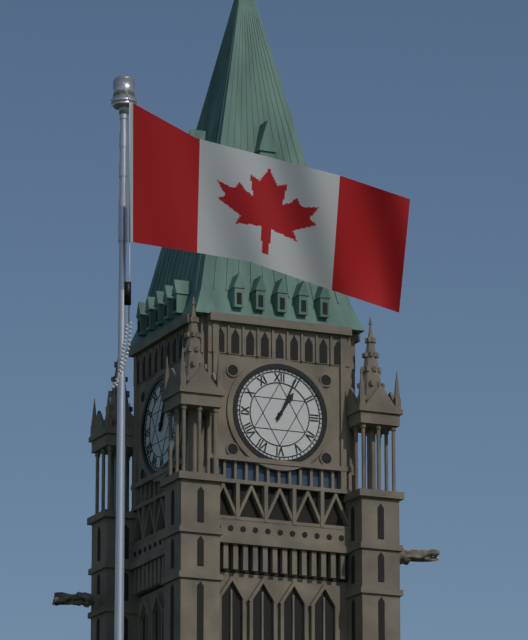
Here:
h=1 m=4
